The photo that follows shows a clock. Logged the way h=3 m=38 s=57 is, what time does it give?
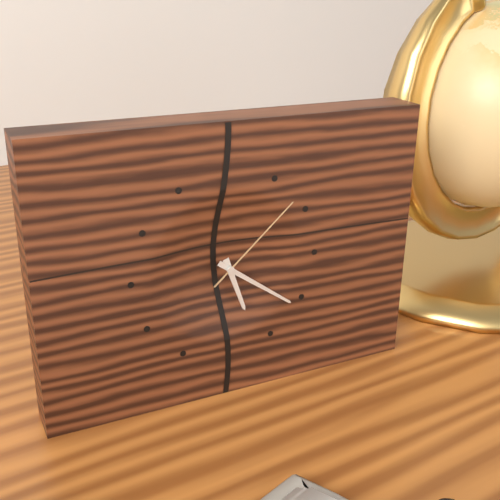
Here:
h=5 m=21 s=8
